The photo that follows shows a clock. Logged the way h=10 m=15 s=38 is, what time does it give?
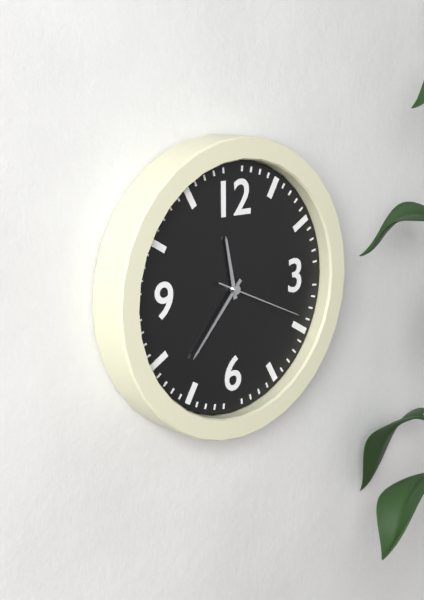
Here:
h=11 m=37 s=19
